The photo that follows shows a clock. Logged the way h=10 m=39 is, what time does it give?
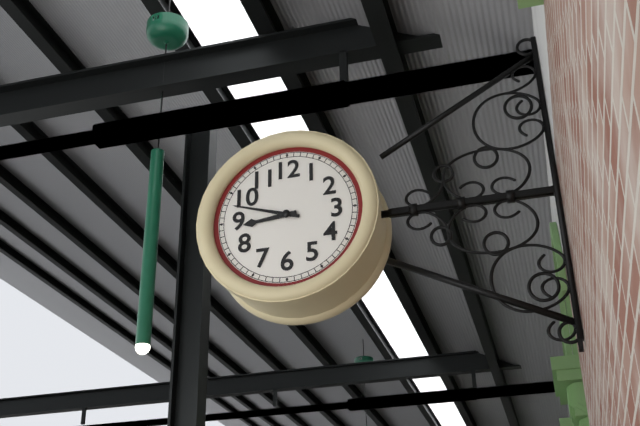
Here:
h=8 m=48
